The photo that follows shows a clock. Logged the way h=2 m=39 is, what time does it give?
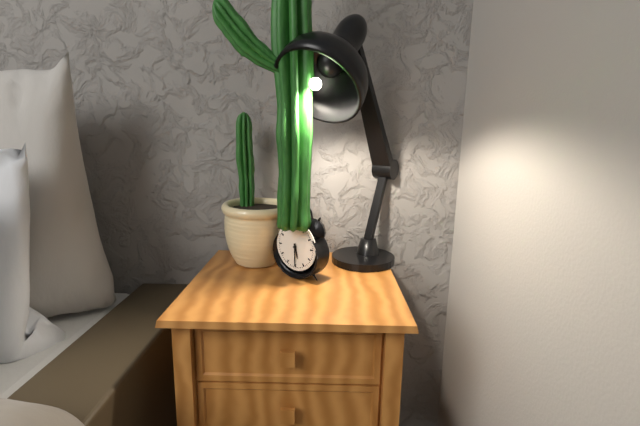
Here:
h=5 m=30
